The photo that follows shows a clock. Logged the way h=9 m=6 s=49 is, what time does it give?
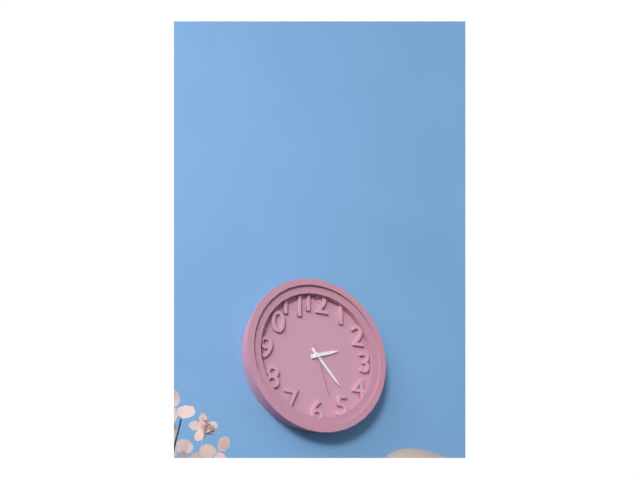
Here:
h=2 m=23 s=27
